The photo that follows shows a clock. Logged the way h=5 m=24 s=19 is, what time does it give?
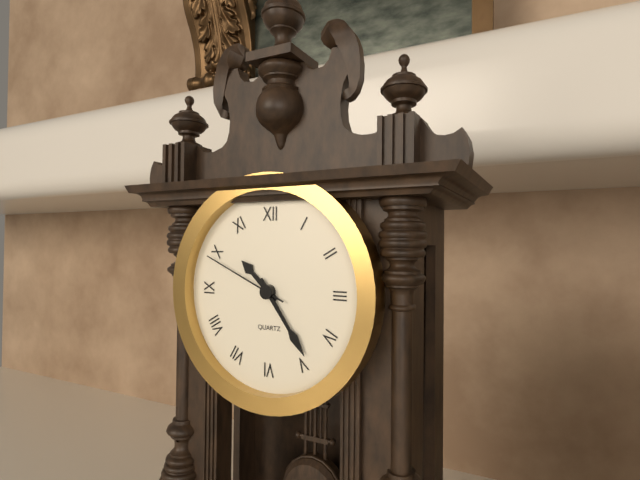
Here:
h=10 m=24 s=49
